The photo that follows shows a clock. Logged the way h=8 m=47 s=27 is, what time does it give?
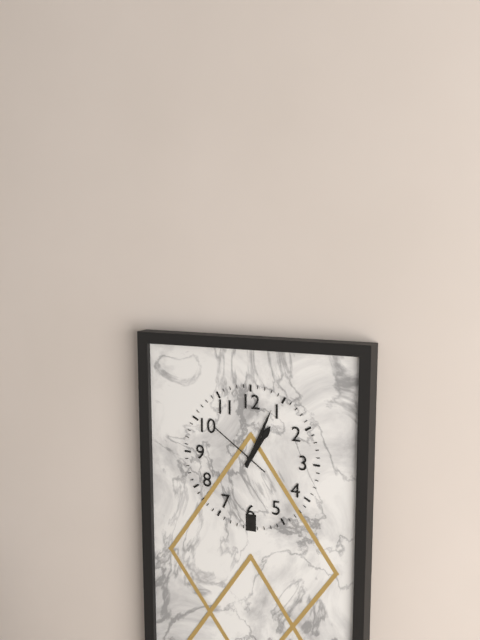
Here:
h=1 m=4 s=51
